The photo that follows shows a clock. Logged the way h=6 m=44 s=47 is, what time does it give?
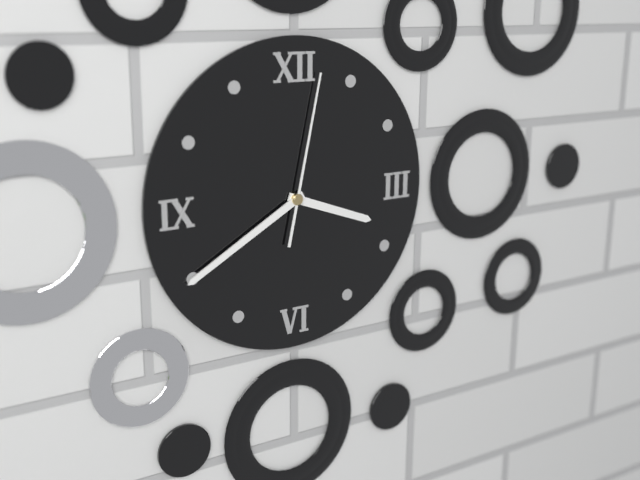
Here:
h=3 m=40 s=2
